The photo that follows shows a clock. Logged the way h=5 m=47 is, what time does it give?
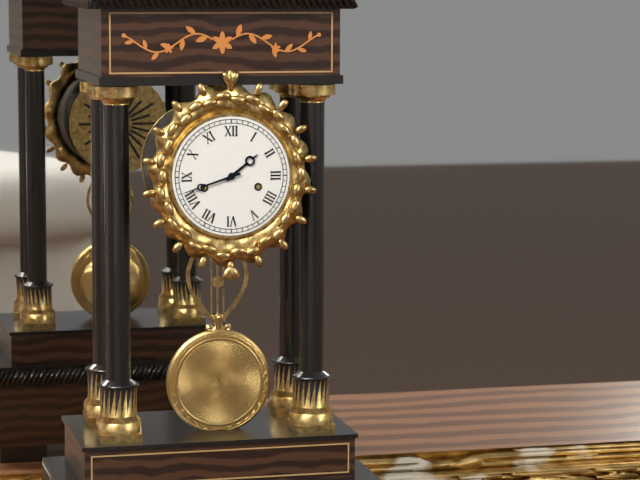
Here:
h=1 m=42
